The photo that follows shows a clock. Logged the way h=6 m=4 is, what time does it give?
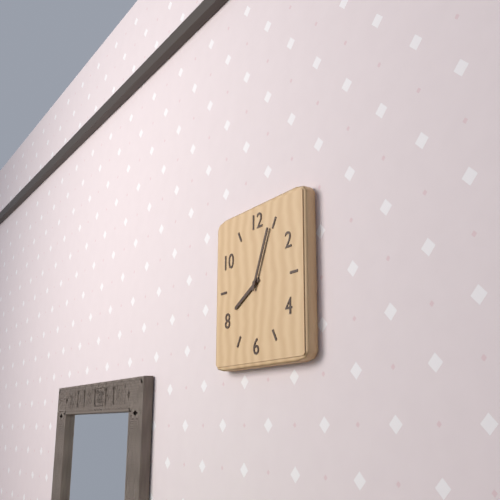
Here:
h=8 m=4
